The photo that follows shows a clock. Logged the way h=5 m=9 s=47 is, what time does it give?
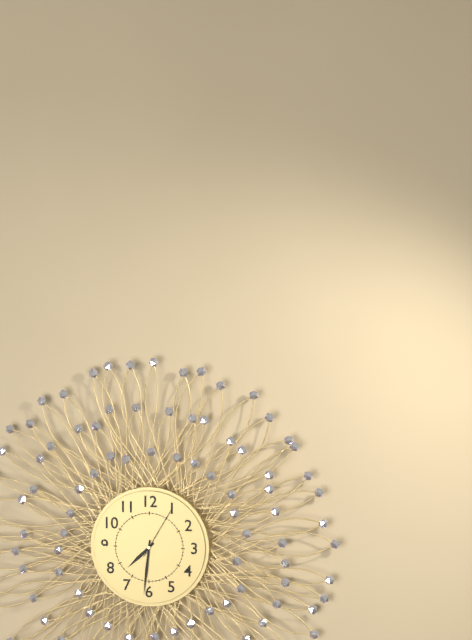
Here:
h=7 m=31 s=5
